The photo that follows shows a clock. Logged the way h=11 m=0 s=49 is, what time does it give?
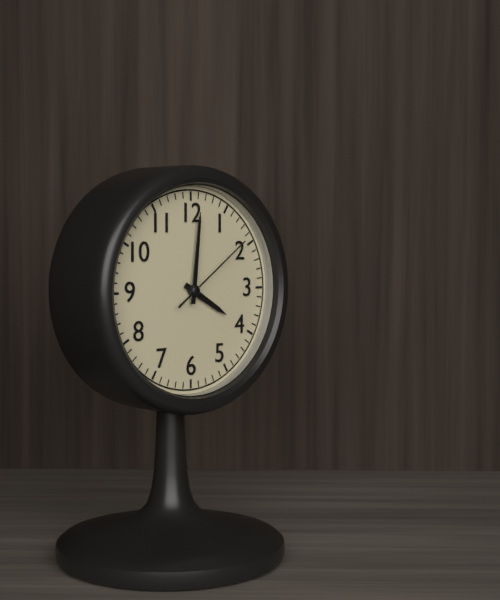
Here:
h=4 m=1 s=9
